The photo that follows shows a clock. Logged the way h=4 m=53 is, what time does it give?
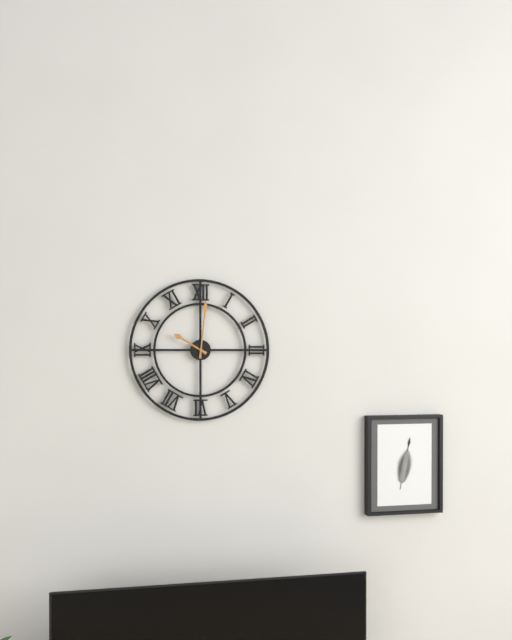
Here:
h=10 m=1
